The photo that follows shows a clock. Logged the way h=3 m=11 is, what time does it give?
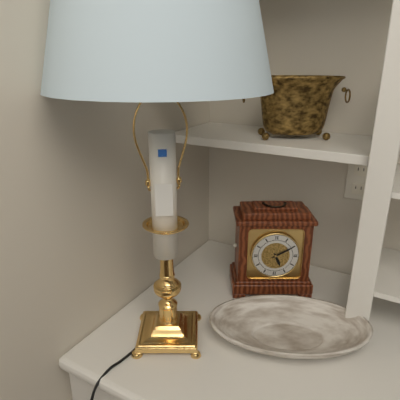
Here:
h=5 m=10
